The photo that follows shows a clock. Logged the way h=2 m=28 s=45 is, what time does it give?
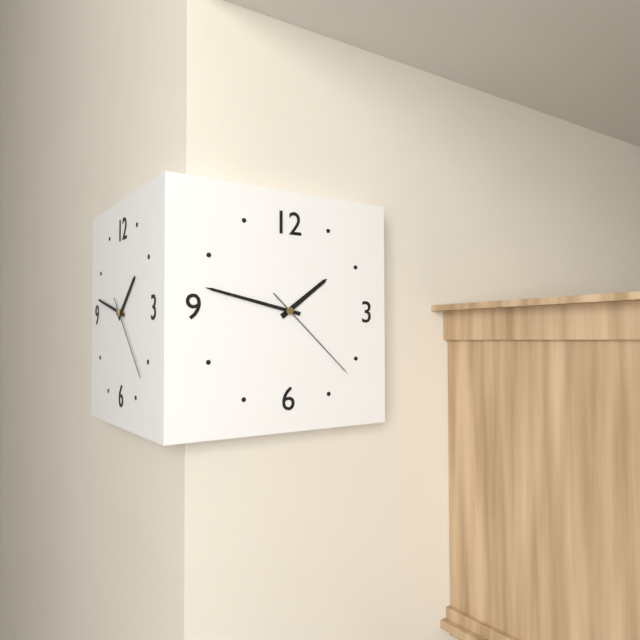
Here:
h=1 m=47 s=22
